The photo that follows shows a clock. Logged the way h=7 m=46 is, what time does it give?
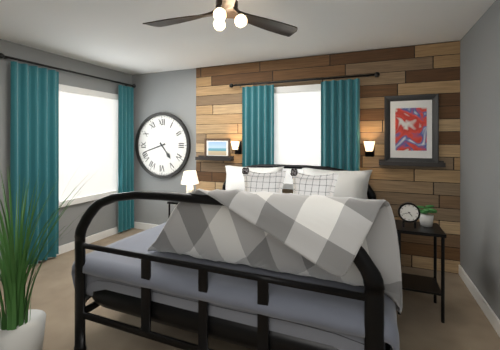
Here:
h=4 m=42
